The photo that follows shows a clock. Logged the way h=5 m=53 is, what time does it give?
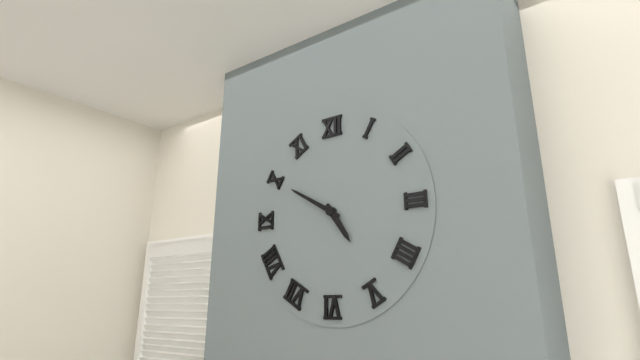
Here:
h=4 m=50
